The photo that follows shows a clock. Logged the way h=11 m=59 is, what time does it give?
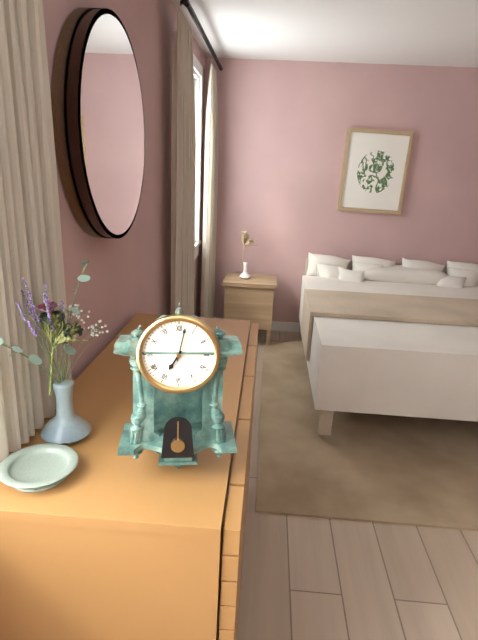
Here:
h=7 m=2
